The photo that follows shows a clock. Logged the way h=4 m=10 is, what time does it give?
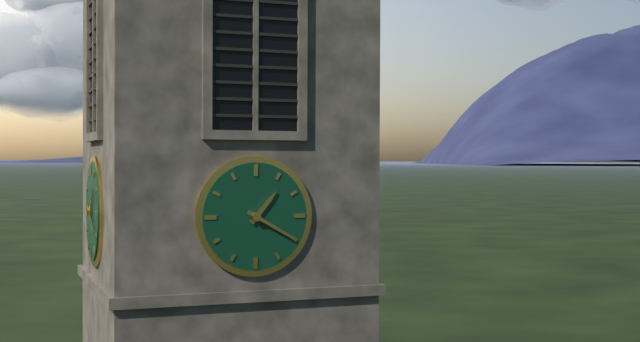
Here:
h=1 m=20
